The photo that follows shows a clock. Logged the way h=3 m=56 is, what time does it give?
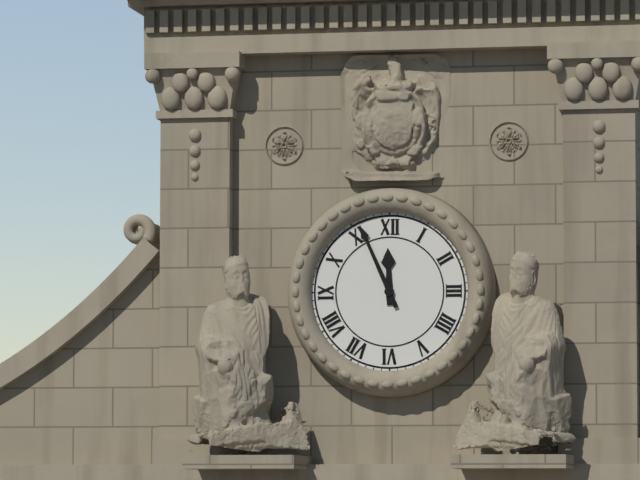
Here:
h=11 m=56
